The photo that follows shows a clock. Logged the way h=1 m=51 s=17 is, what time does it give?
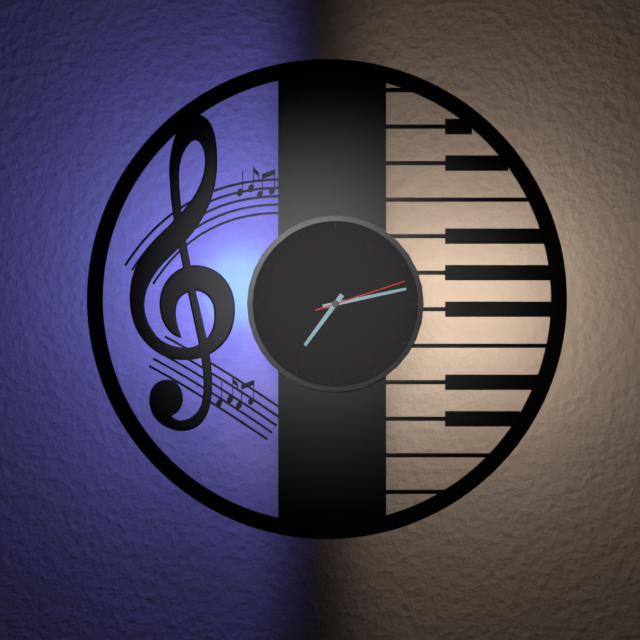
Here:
h=7 m=13 s=12
